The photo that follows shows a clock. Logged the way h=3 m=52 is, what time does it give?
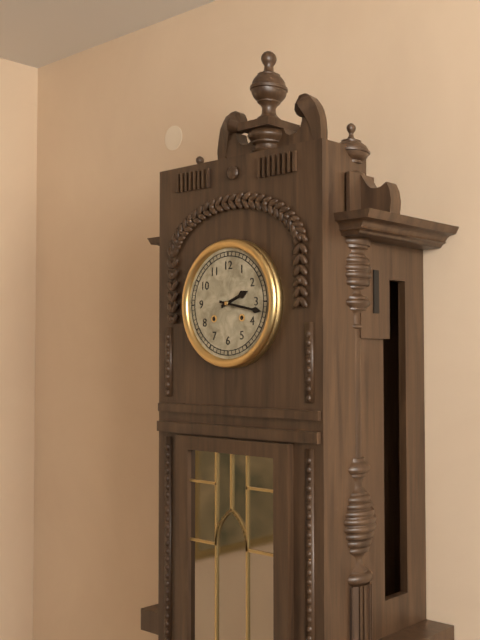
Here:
h=2 m=17
